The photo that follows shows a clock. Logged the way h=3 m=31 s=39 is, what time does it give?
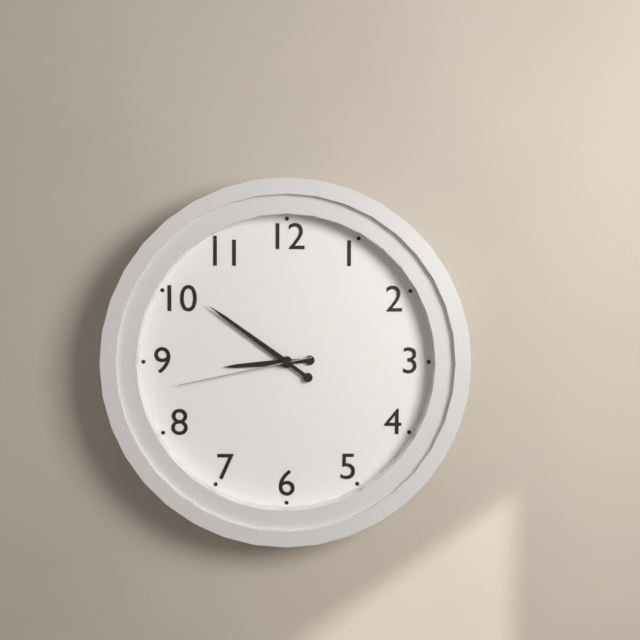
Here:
h=8 m=51 s=43
